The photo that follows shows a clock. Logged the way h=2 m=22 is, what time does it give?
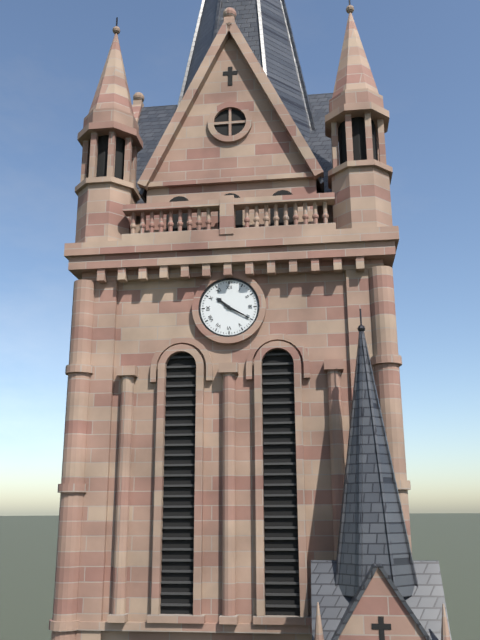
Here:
h=10 m=20
